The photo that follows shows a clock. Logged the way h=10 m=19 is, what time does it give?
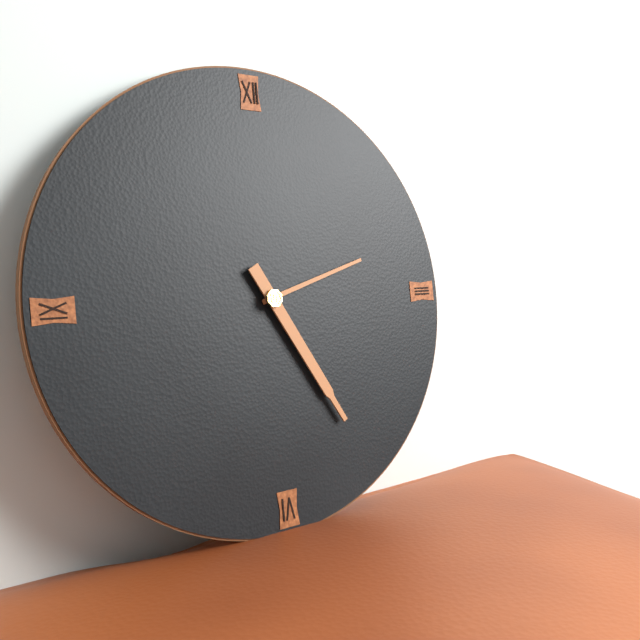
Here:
h=2 m=25
